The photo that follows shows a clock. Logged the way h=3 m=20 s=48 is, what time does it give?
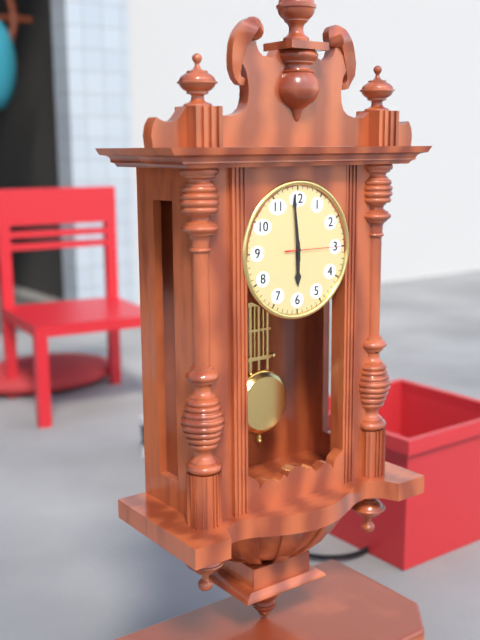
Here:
h=5 m=59 s=15
